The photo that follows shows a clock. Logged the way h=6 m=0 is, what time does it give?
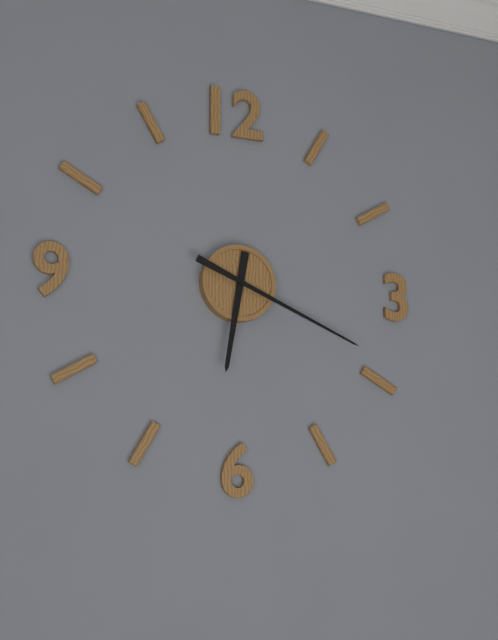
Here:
h=6 m=19
